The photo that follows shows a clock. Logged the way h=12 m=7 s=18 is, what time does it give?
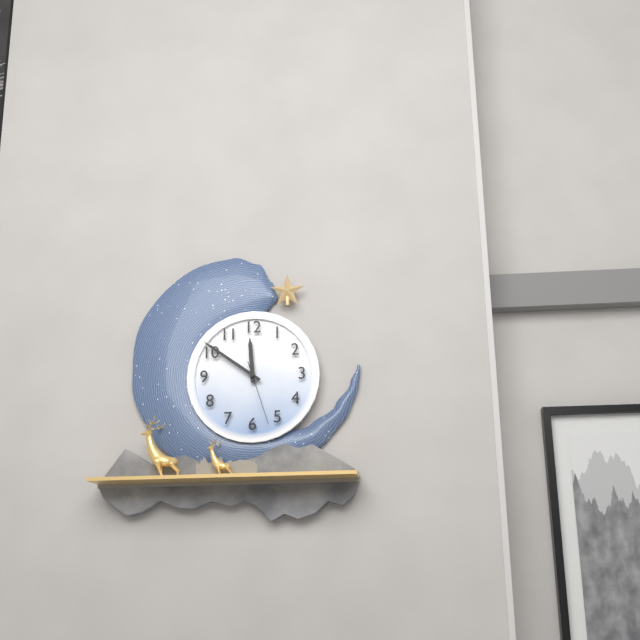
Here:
h=11 m=51 s=27
